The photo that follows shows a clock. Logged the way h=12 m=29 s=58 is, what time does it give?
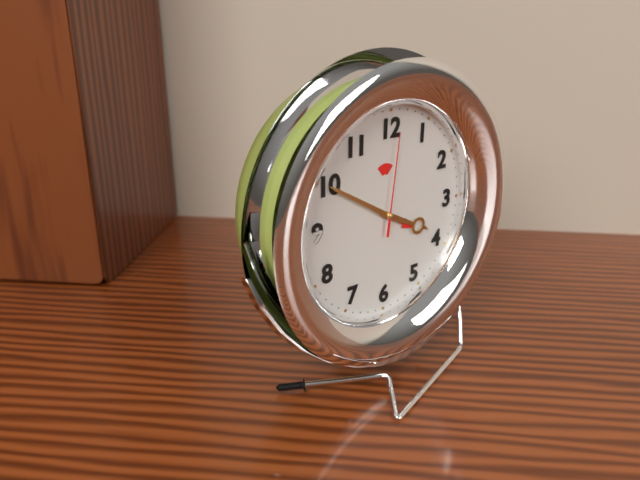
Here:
h=3 m=50 s=1
